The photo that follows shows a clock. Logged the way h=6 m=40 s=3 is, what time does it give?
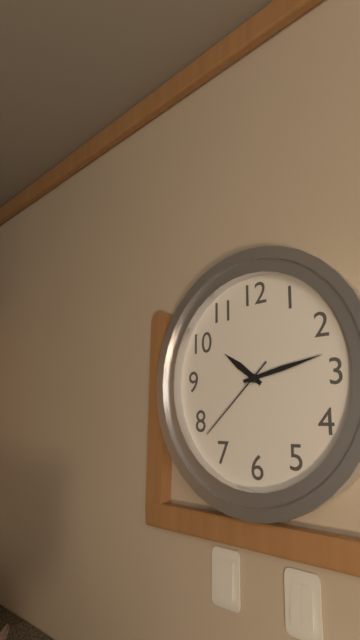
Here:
h=10 m=13 s=38
